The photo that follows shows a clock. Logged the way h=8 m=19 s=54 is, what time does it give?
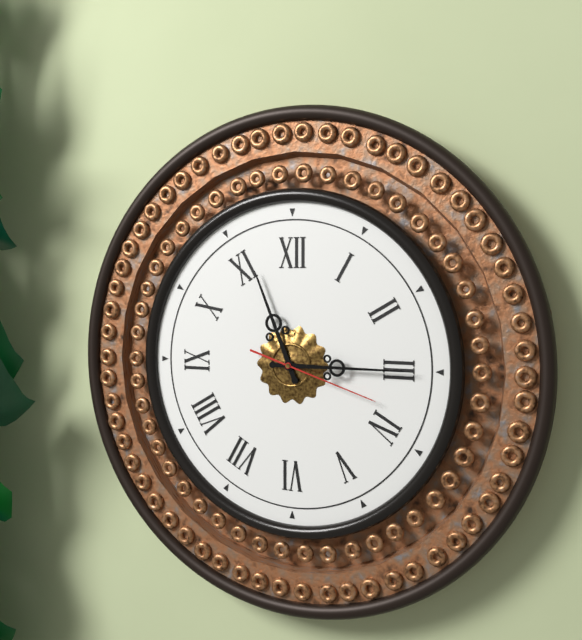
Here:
h=11 m=15 s=18
